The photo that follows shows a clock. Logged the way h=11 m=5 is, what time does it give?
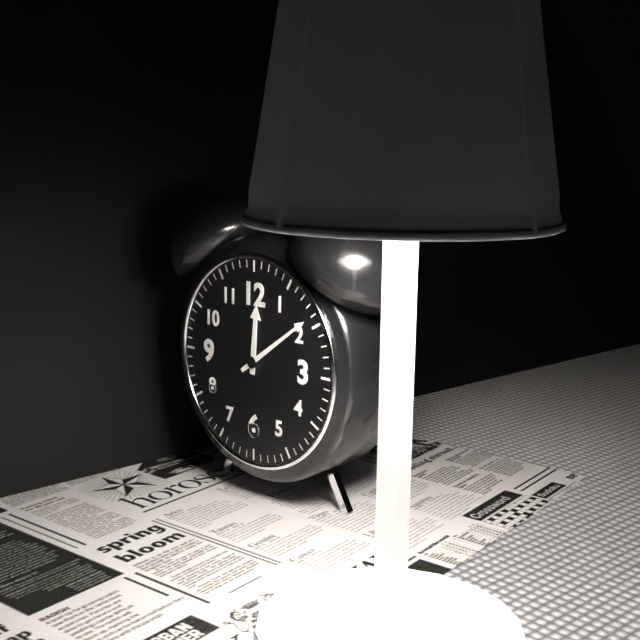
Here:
h=12 m=9
